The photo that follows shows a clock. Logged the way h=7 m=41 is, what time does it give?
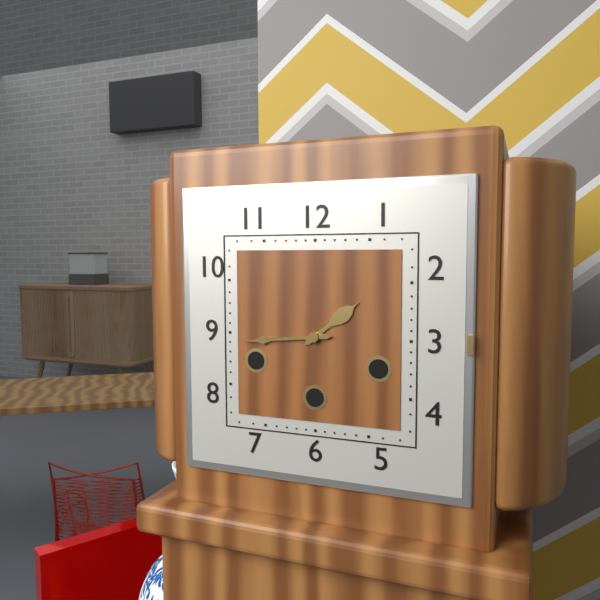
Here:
h=1 m=44
